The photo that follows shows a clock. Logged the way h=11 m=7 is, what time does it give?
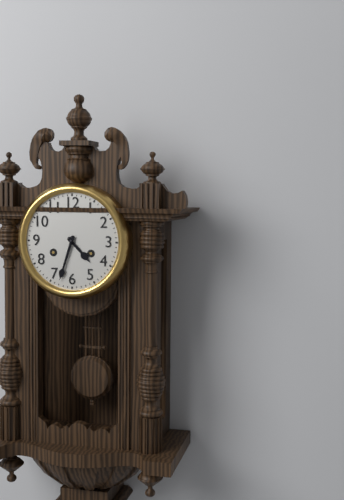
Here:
h=4 m=33
